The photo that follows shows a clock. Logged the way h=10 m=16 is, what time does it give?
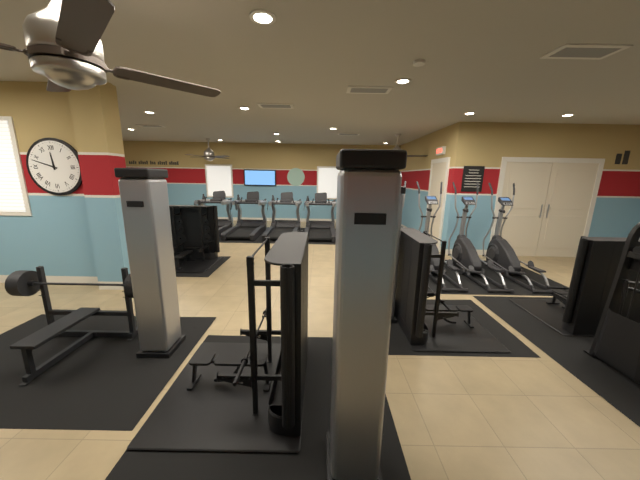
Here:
h=11 m=48
